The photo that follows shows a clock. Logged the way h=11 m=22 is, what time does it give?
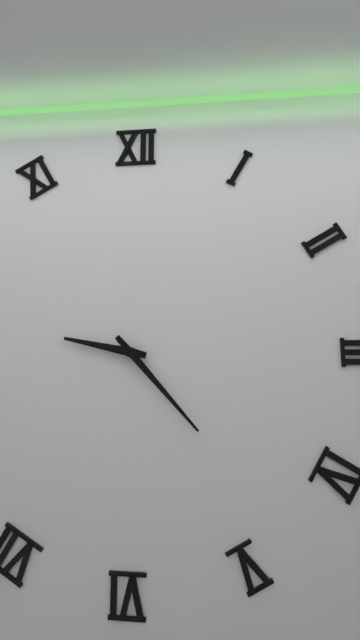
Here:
h=9 m=23
